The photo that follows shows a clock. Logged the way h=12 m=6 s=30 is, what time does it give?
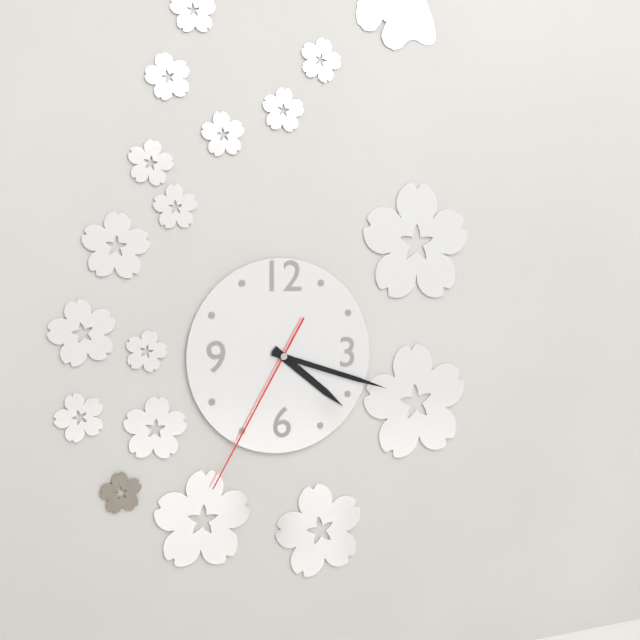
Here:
h=4 m=18 s=35
